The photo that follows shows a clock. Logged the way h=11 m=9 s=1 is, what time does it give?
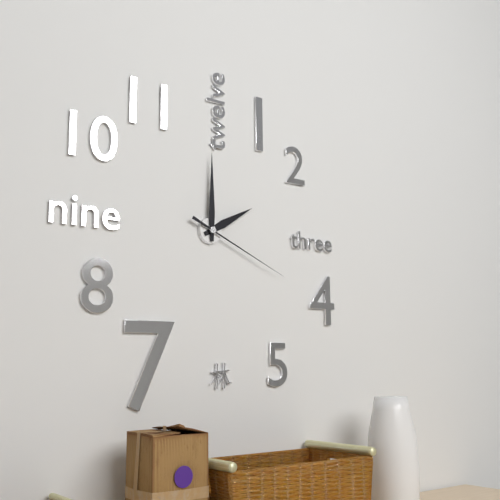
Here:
h=2 m=0 s=19
